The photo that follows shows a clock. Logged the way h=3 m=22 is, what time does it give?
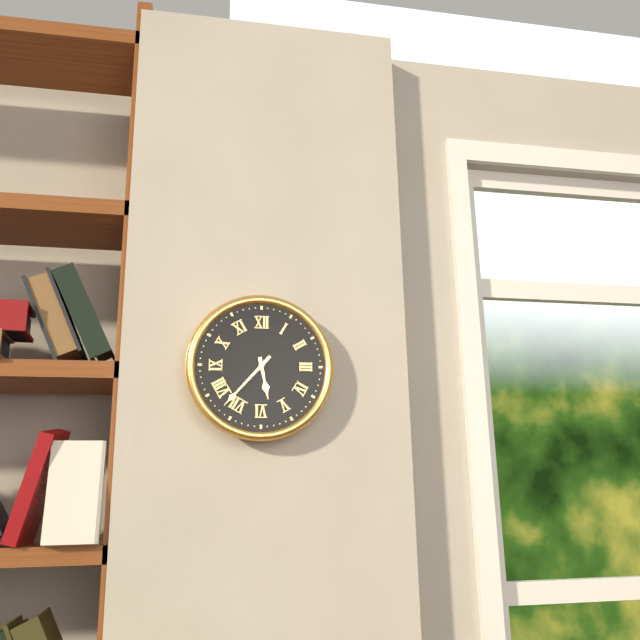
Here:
h=5 m=37
